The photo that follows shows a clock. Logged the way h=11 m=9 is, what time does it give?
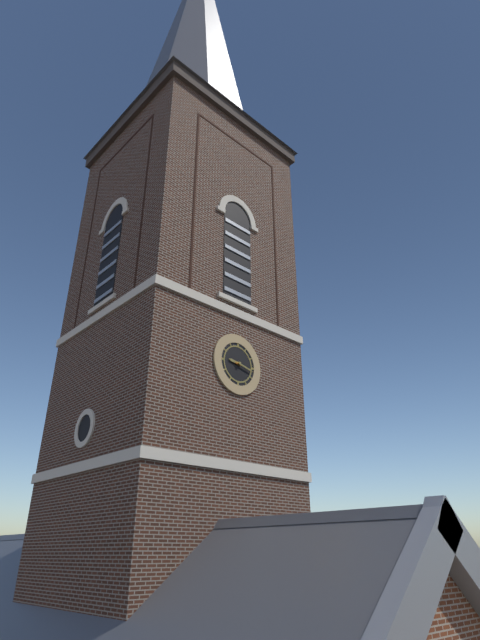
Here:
h=9 m=17
